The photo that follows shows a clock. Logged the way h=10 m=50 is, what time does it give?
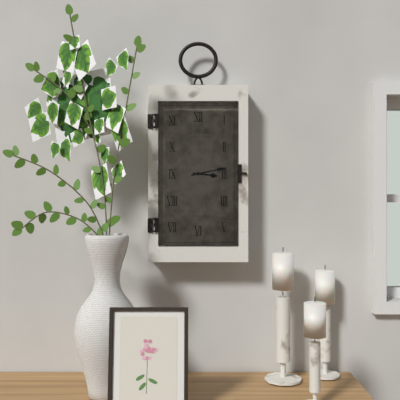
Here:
h=3 m=13
